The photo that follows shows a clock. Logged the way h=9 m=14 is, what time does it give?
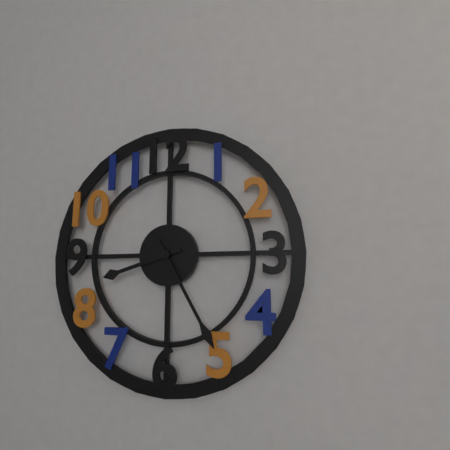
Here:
h=8 m=25
